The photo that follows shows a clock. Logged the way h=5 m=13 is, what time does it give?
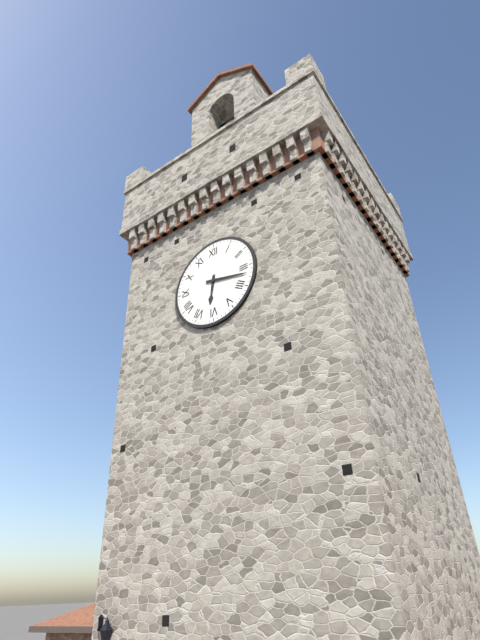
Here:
h=6 m=17
